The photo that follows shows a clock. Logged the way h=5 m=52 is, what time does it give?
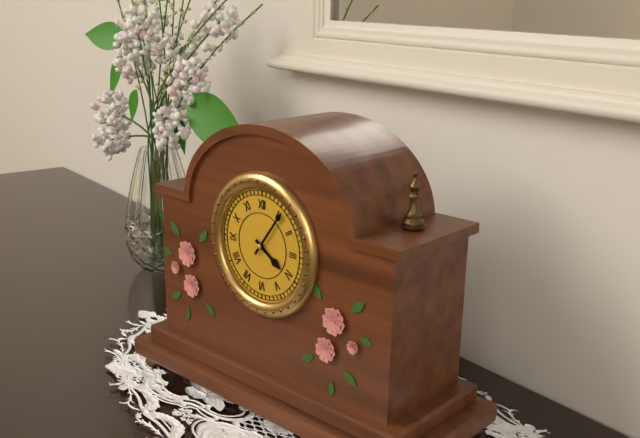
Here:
h=4 m=6
